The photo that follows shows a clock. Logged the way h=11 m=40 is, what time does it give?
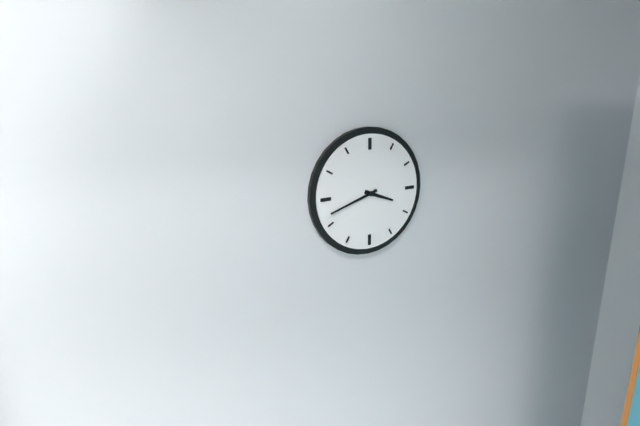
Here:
h=3 m=42
